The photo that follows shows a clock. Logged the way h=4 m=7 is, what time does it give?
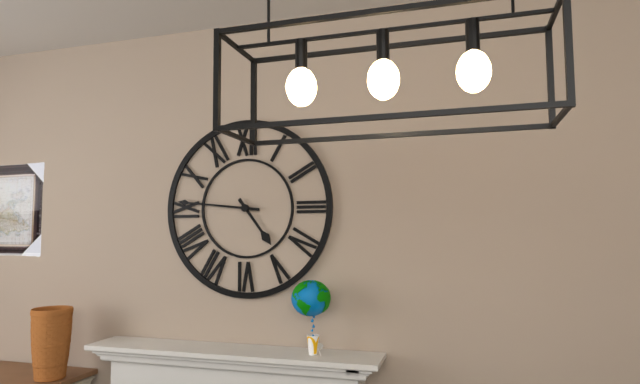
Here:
h=4 m=46
